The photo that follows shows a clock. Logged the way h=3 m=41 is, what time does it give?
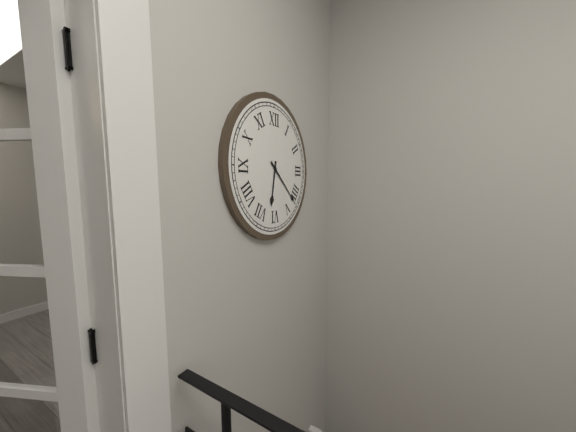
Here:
h=6 m=22
